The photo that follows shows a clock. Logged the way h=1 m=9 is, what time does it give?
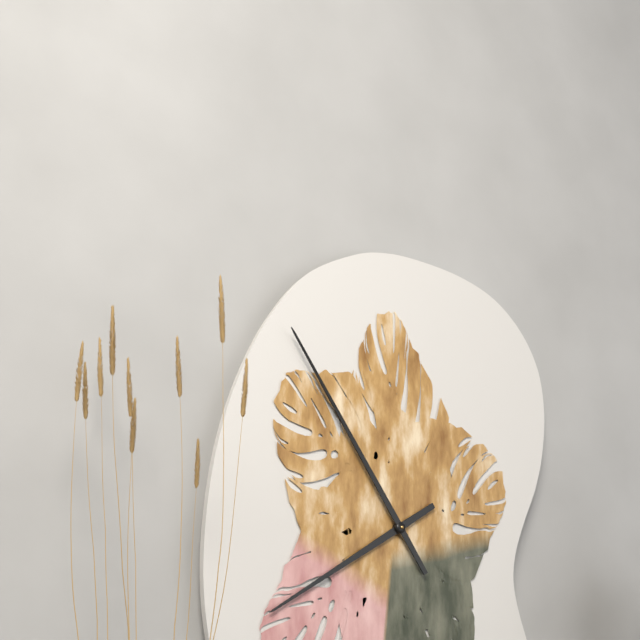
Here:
h=7 m=54
